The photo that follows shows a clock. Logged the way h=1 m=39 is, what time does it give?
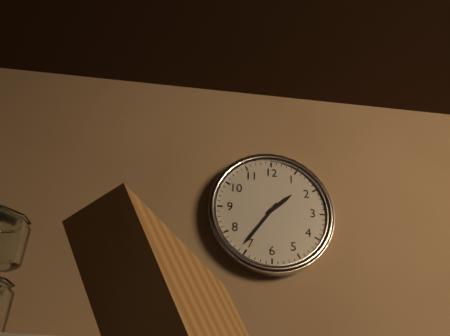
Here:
h=1 m=36
